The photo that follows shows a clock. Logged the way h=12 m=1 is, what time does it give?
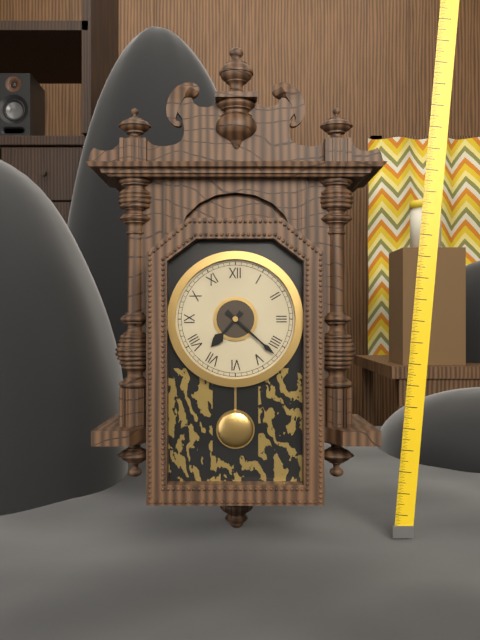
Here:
h=7 m=22
